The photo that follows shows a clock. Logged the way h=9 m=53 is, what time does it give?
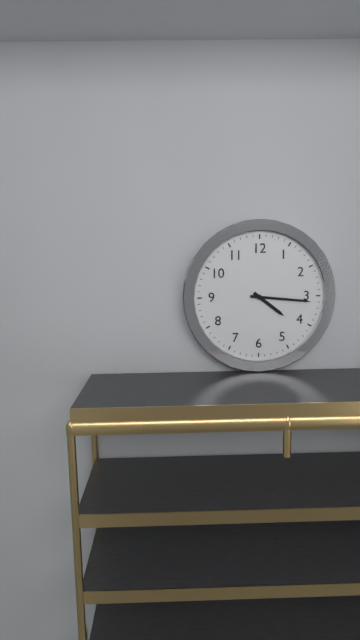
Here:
h=4 m=16
